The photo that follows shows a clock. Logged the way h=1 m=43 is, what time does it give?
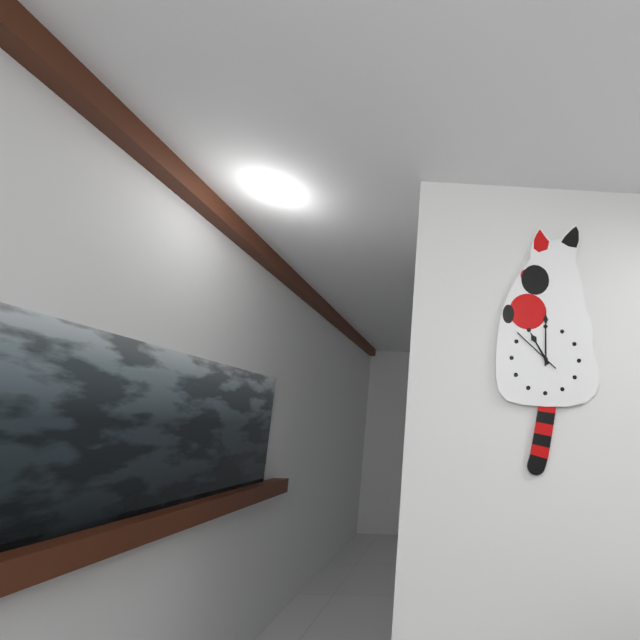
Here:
h=11 m=0
